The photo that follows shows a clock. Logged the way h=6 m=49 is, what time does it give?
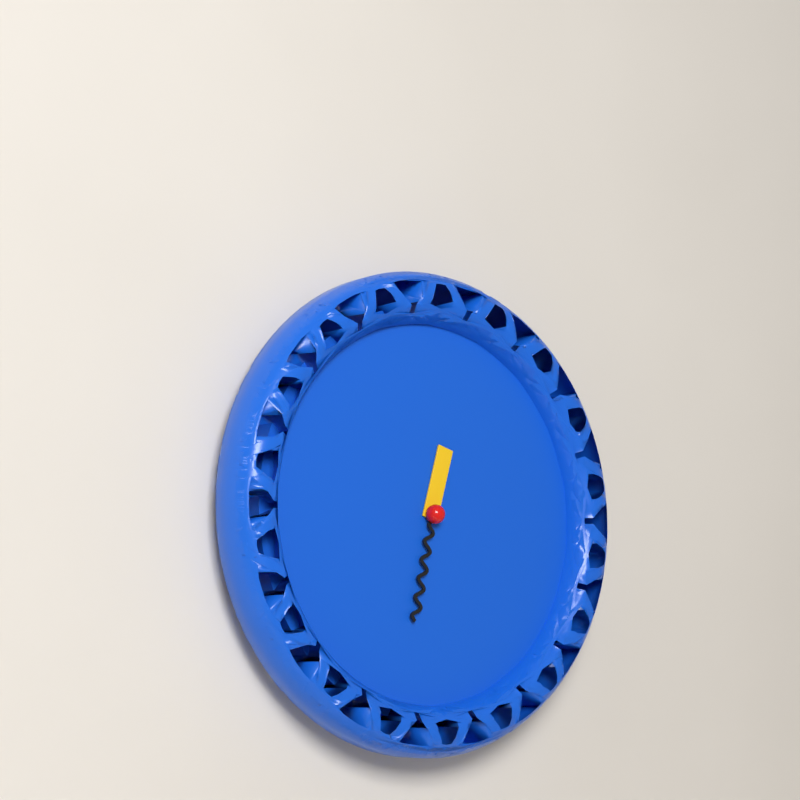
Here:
h=12 m=32
